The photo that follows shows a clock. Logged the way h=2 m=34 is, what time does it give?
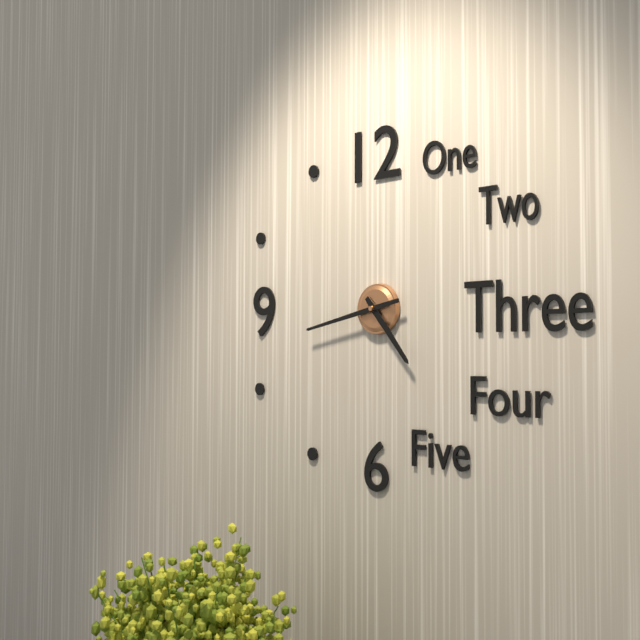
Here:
h=4 m=43
